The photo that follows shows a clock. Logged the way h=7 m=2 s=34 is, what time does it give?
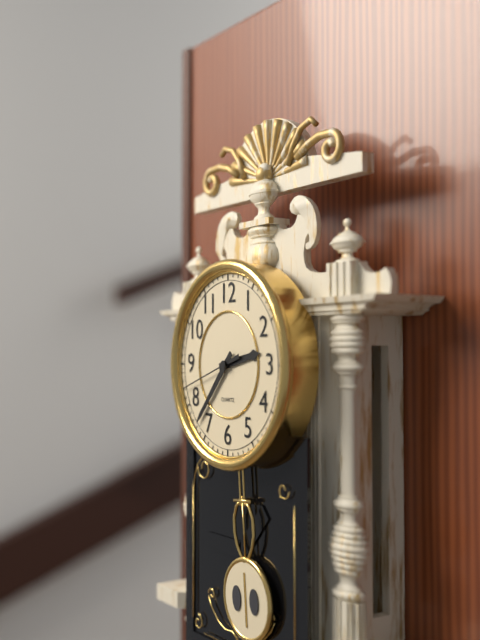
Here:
h=2 m=37 s=42
